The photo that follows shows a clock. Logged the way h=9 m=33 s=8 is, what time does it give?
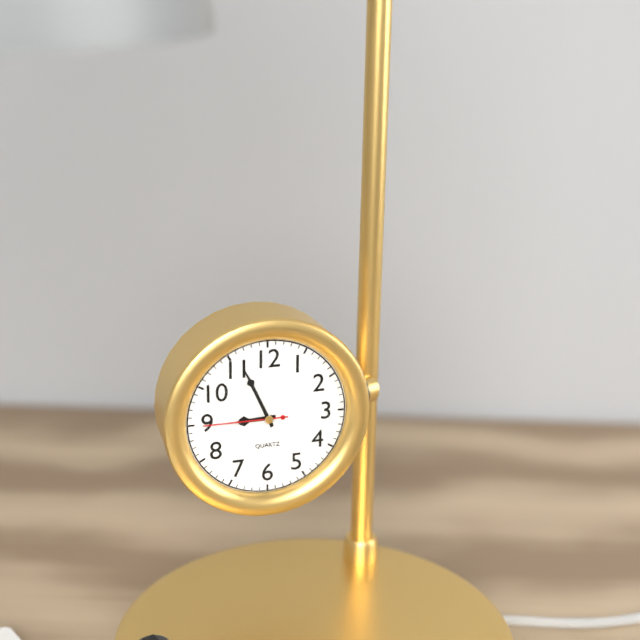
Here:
h=8 m=56 s=45
